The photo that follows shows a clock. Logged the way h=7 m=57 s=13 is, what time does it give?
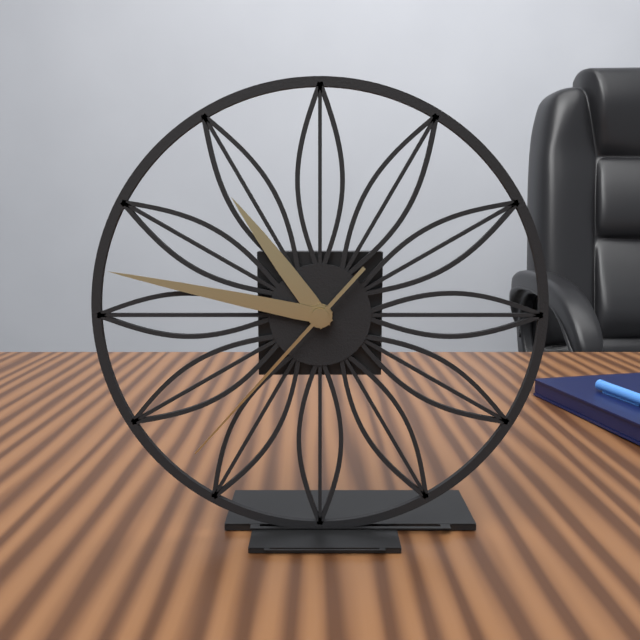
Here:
h=10 m=47 s=37
